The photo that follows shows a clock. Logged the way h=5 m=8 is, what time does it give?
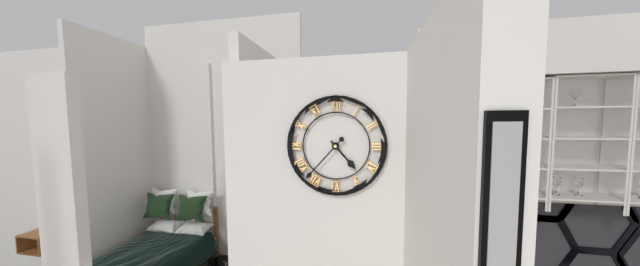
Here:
h=4 m=37
